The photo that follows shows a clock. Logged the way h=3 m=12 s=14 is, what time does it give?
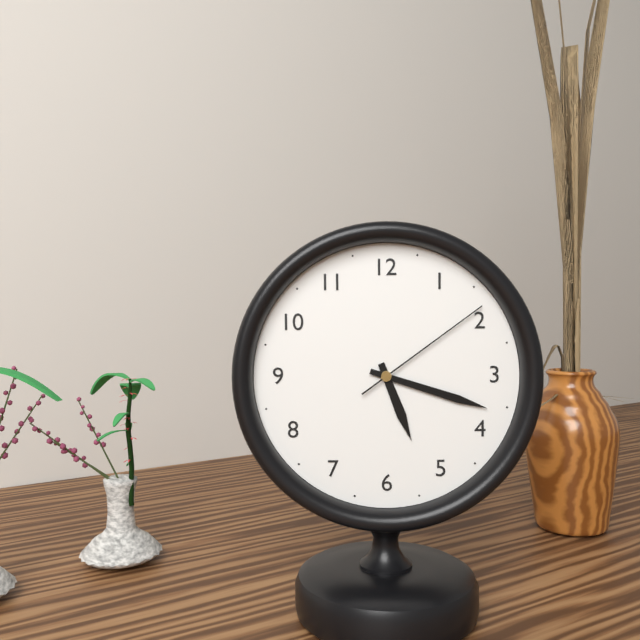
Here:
h=5 m=18 s=9
